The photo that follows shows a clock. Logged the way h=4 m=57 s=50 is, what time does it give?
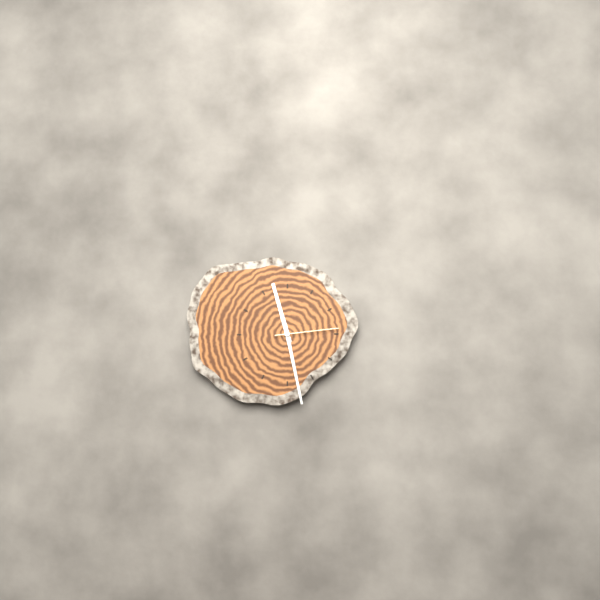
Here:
h=11 m=28 s=14
